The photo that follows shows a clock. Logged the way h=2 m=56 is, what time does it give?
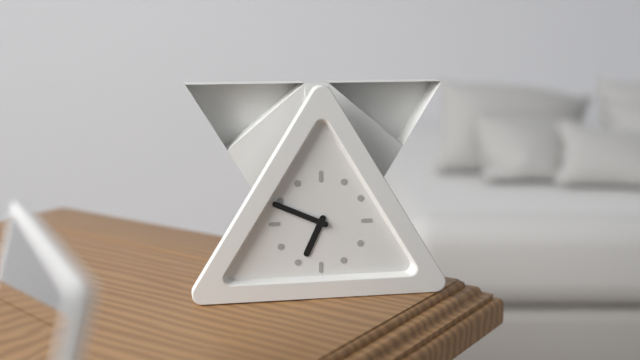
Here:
h=6 m=49
